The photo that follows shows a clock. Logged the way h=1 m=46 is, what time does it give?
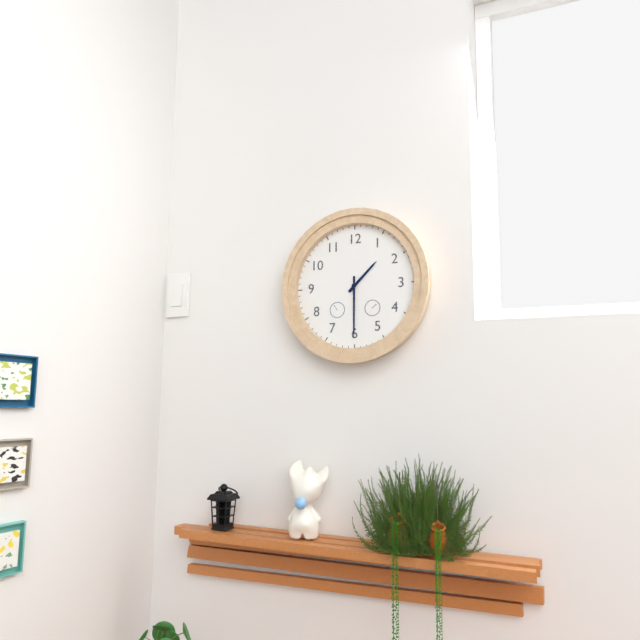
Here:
h=1 m=30
